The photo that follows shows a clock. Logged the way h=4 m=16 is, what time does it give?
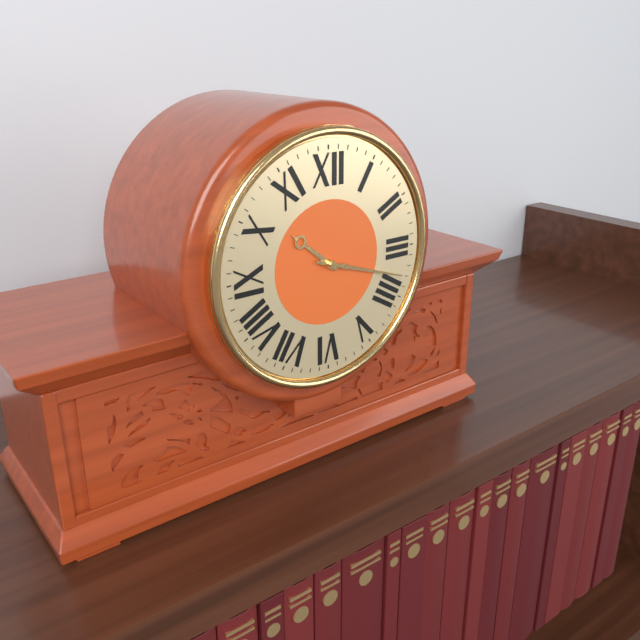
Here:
h=10 m=18
